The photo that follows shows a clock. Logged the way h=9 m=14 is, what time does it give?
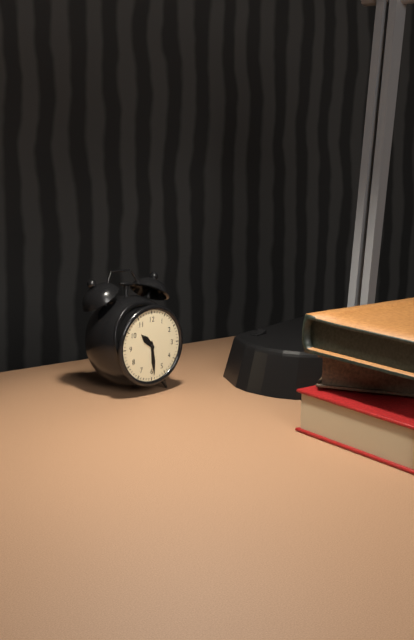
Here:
h=10 m=29
